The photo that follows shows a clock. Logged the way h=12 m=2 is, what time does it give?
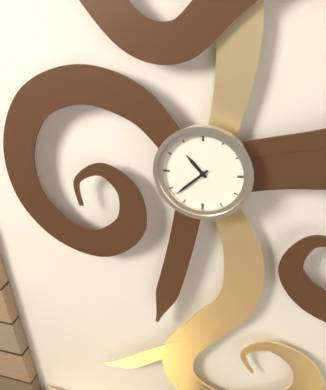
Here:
h=10 m=38
